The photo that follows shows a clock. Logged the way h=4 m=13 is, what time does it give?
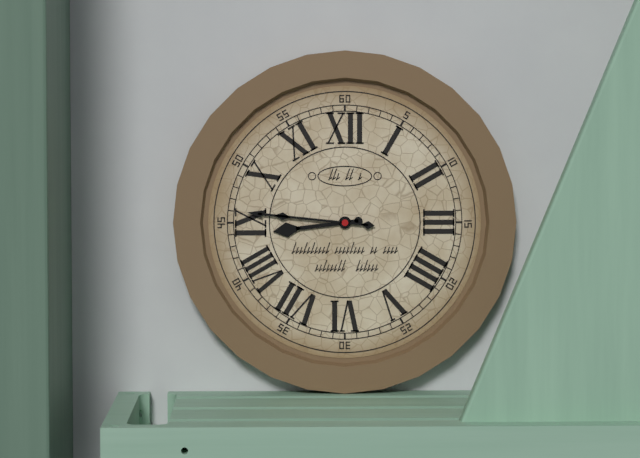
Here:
h=8 m=46
